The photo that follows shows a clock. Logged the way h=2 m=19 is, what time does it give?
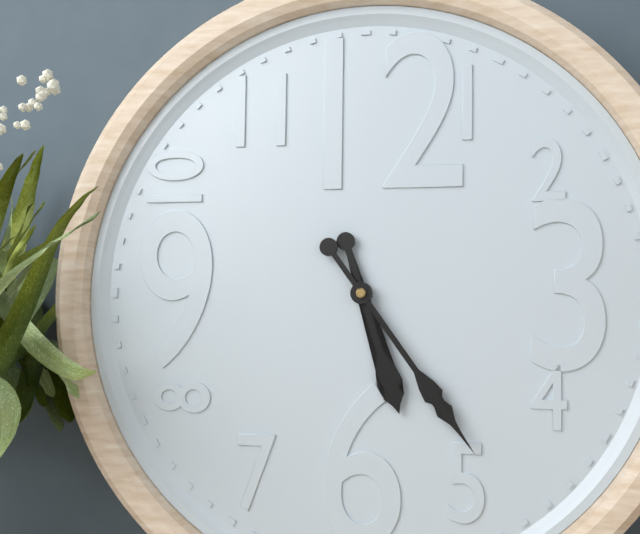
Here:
h=5 m=24
